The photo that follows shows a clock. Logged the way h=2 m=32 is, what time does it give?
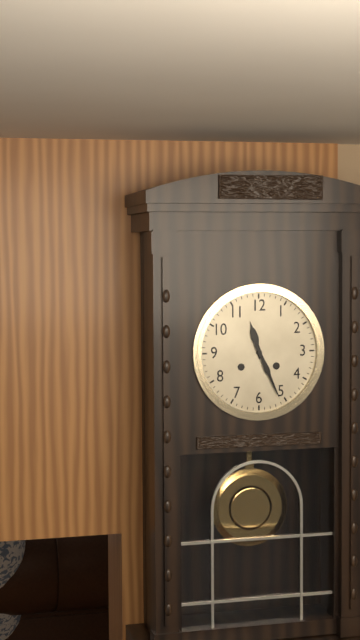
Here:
h=11 m=26
